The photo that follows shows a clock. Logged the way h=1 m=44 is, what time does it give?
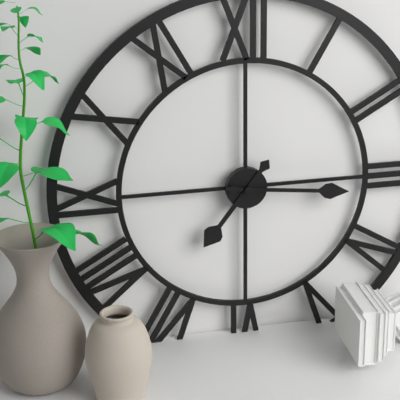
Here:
h=7 m=16
